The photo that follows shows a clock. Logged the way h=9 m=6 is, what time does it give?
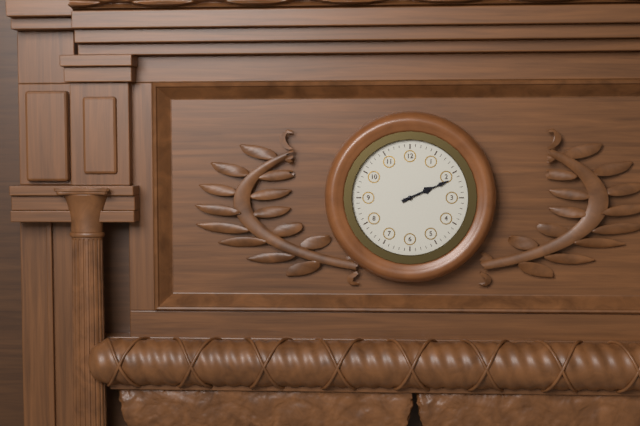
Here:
h=2 m=11
